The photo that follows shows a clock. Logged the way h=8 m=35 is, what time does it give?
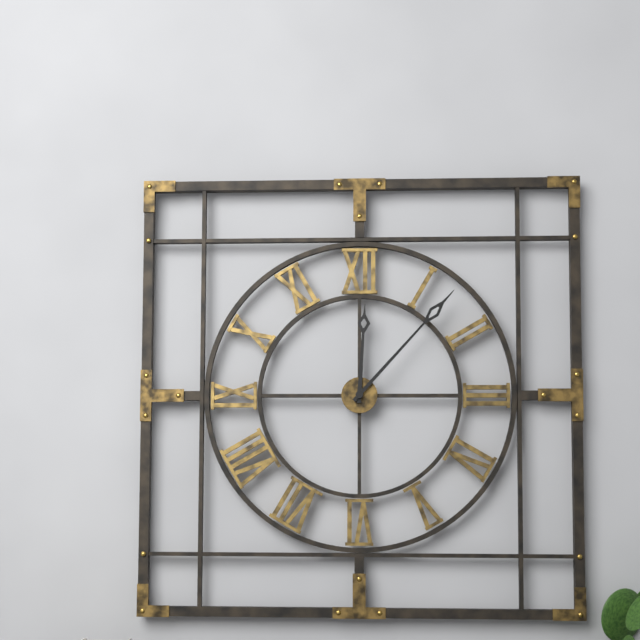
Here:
h=12 m=7
